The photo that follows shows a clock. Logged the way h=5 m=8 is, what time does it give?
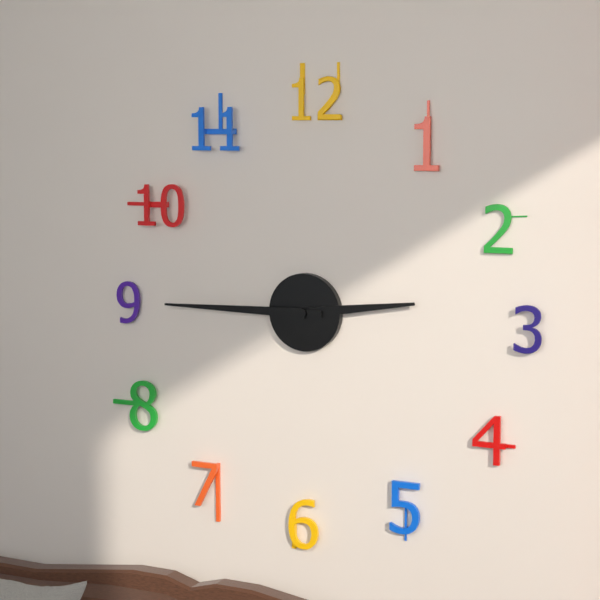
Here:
h=2 m=45
